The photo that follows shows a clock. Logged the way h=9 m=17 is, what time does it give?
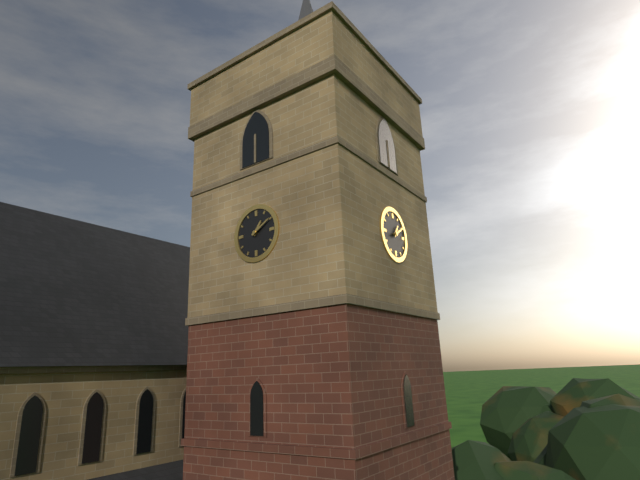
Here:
h=1 m=10
